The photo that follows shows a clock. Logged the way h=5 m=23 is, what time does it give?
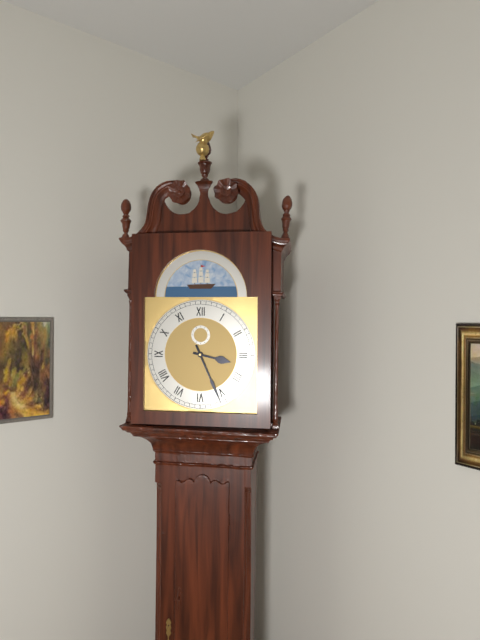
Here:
h=3 m=26
